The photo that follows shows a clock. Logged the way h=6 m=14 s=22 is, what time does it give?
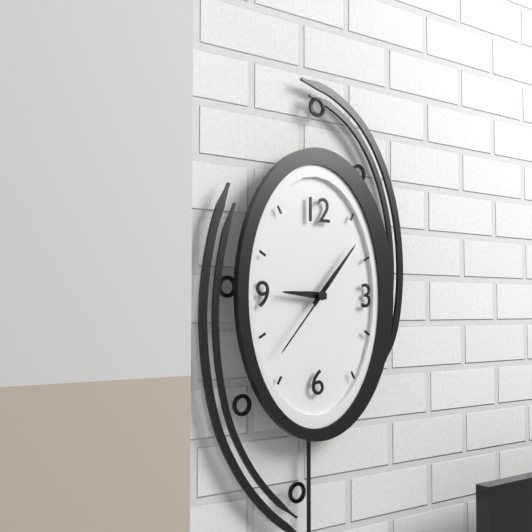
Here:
h=9 m=7 s=37
